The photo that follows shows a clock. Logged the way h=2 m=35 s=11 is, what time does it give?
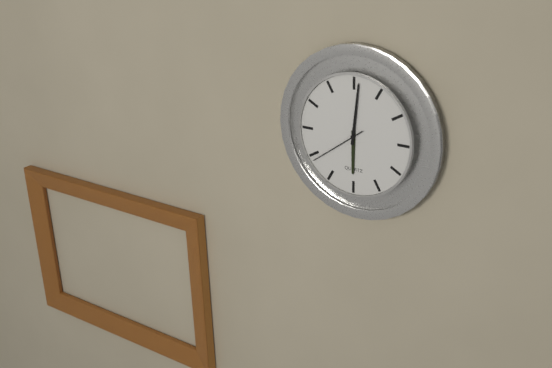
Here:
h=6 m=1 s=39
